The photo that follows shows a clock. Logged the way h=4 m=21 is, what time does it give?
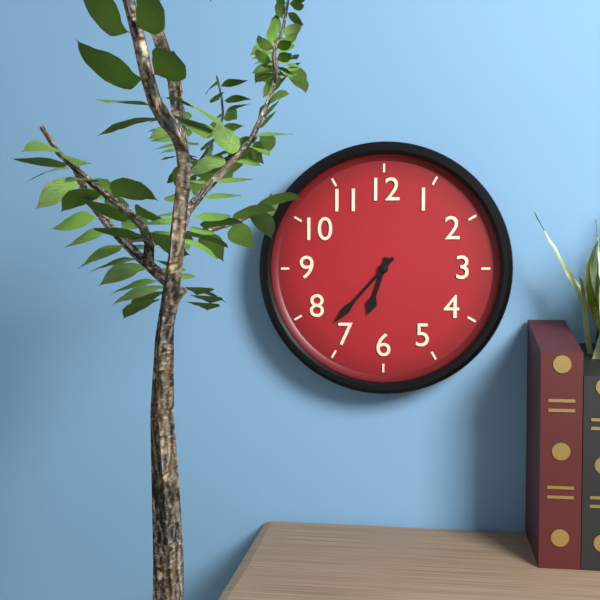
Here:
h=6 m=37
